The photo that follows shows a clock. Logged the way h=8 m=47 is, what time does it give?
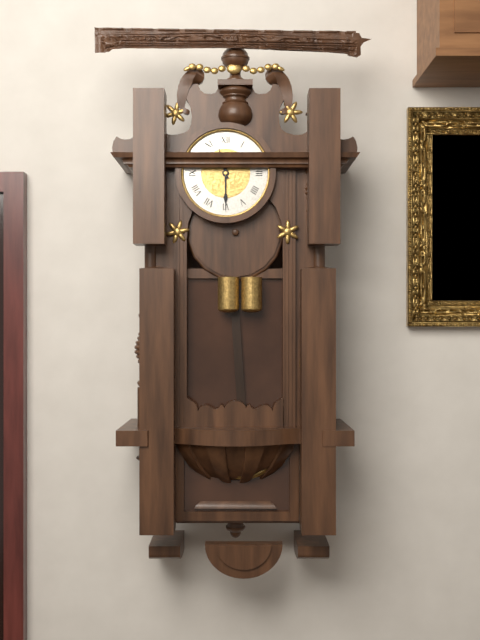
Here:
h=11 m=30
